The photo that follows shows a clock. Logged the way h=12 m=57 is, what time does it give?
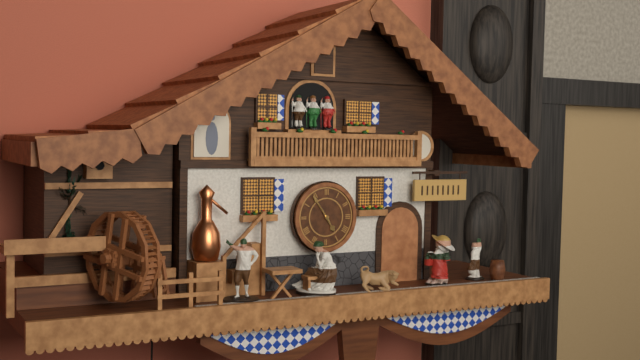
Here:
h=4 m=54
